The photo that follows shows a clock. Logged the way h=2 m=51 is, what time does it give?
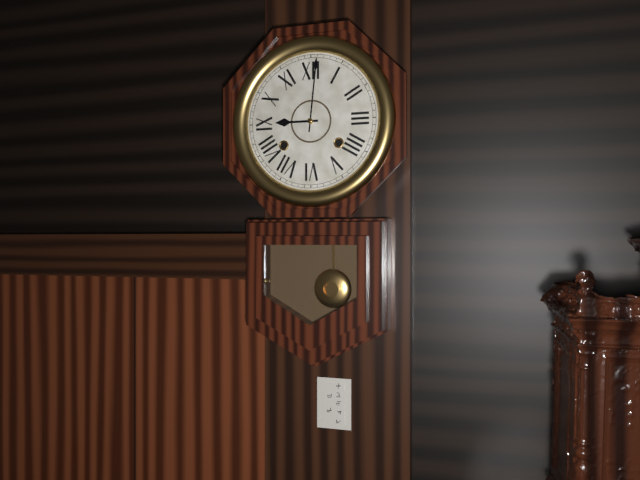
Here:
h=9 m=1
